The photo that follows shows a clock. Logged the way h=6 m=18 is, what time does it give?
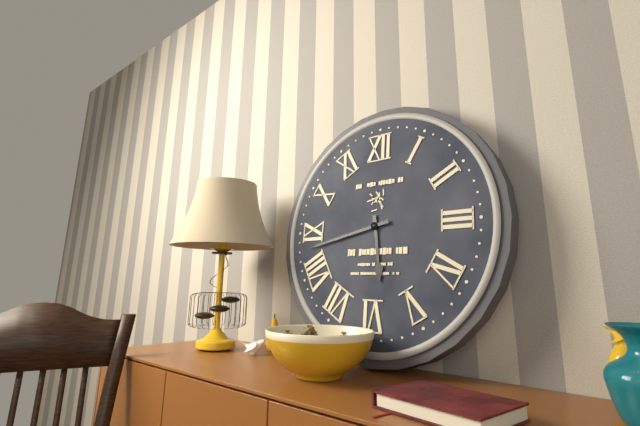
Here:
h=5 m=43
